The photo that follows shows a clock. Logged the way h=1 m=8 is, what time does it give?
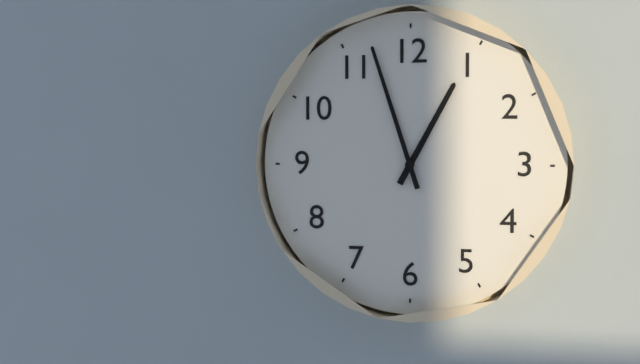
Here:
h=12 m=57
